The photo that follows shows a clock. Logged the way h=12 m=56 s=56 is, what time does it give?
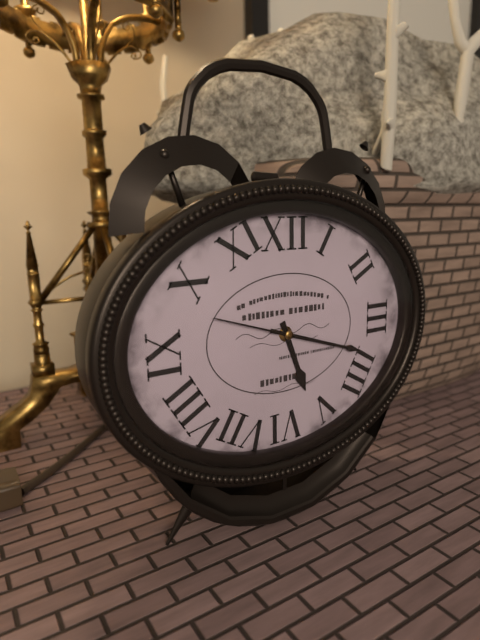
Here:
h=5 m=18 s=48
